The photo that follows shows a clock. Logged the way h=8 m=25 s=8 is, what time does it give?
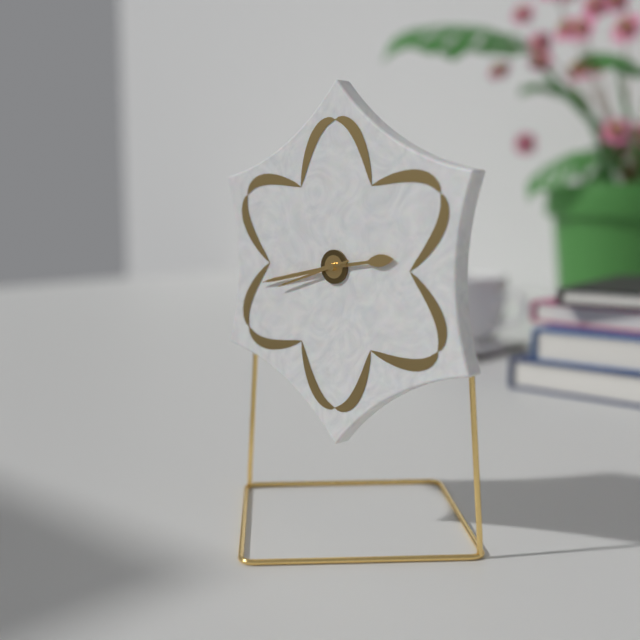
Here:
h=2 m=43 s=42
